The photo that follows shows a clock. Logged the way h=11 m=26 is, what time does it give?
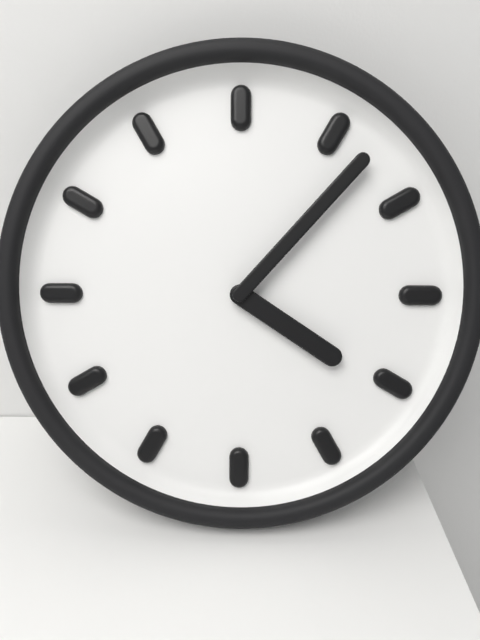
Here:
h=4 m=7
